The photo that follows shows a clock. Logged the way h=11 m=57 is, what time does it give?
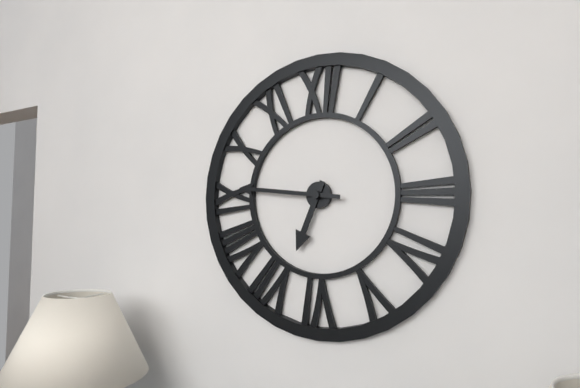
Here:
h=6 m=46
